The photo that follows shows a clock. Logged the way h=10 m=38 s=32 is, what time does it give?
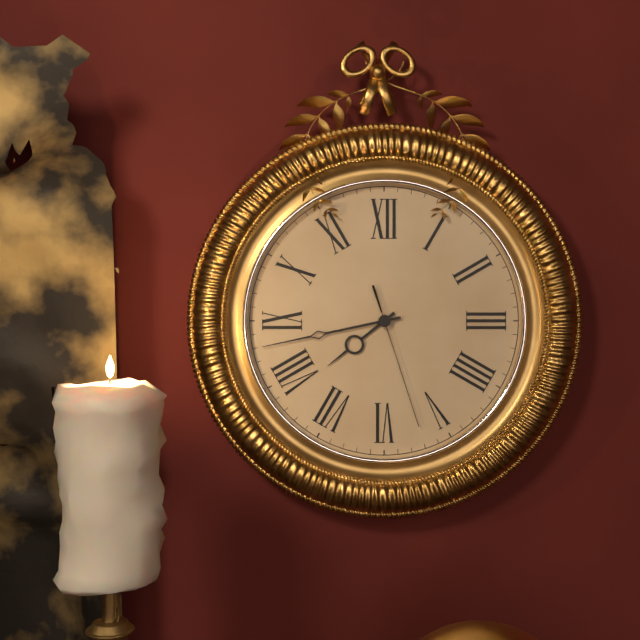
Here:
h=7 m=43 s=27
